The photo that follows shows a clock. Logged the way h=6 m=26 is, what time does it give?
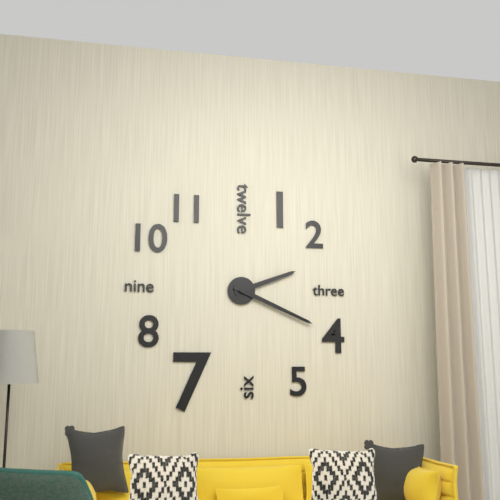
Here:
h=2 m=19
